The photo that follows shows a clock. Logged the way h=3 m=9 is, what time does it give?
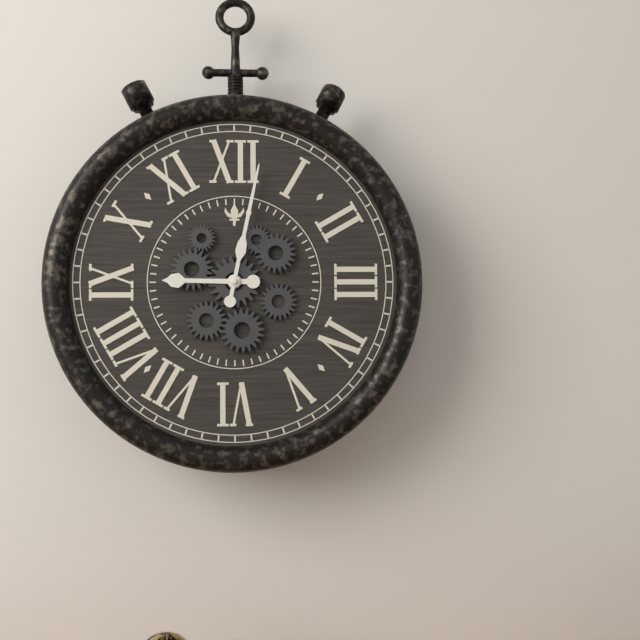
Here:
h=9 m=2
